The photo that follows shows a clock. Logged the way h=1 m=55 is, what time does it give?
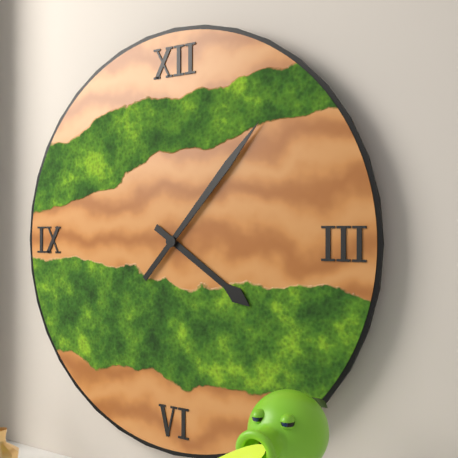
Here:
h=4 m=7
